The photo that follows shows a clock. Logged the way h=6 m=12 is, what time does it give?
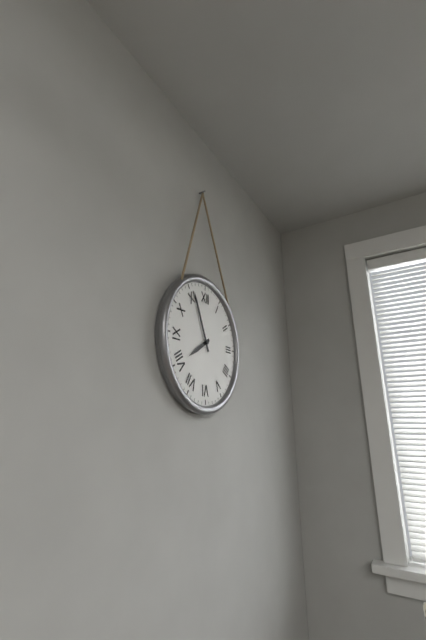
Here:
h=7 m=56
